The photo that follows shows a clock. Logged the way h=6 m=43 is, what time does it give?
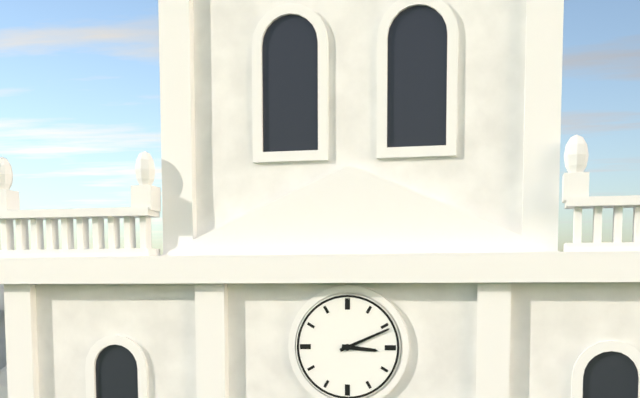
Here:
h=3 m=11
